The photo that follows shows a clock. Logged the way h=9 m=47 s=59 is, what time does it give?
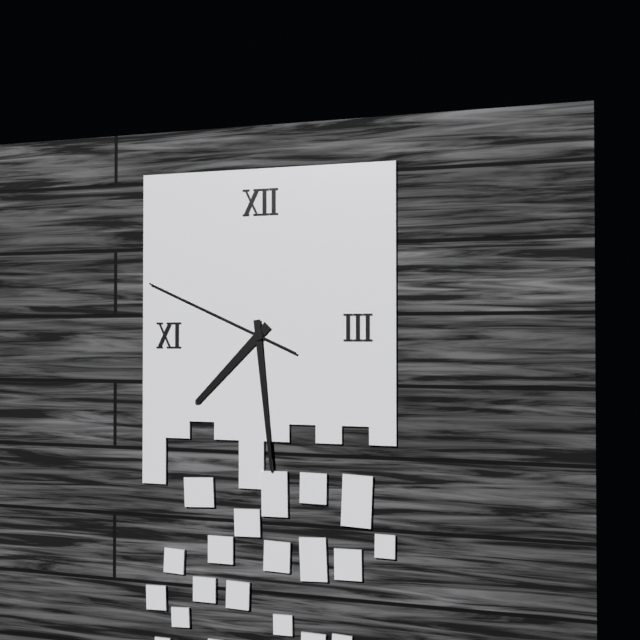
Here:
h=7 m=29 s=49
